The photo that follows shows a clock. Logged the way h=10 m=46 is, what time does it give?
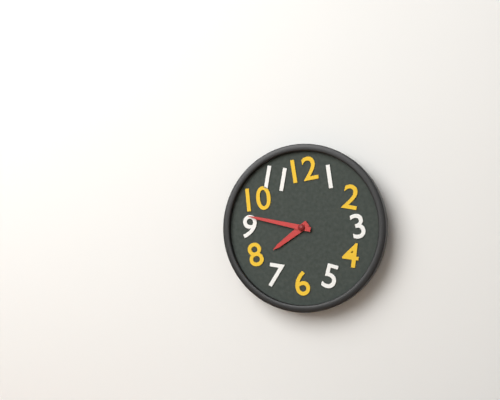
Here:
h=7 m=47
